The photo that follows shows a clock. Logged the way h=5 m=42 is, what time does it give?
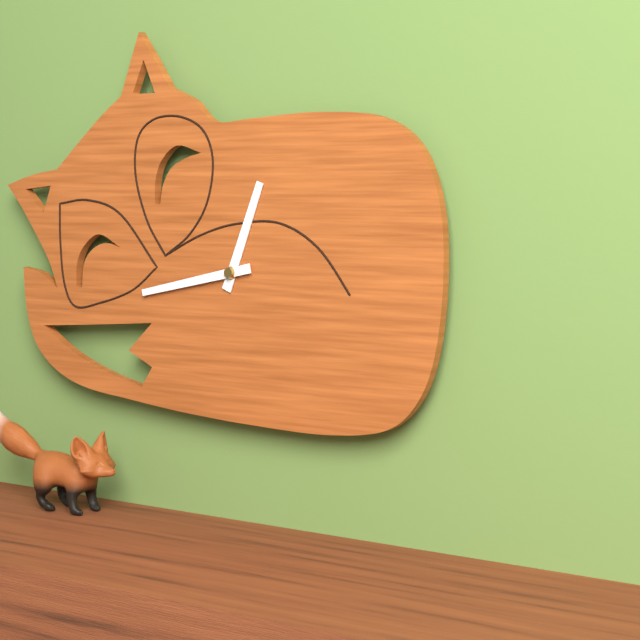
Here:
h=12 m=43
